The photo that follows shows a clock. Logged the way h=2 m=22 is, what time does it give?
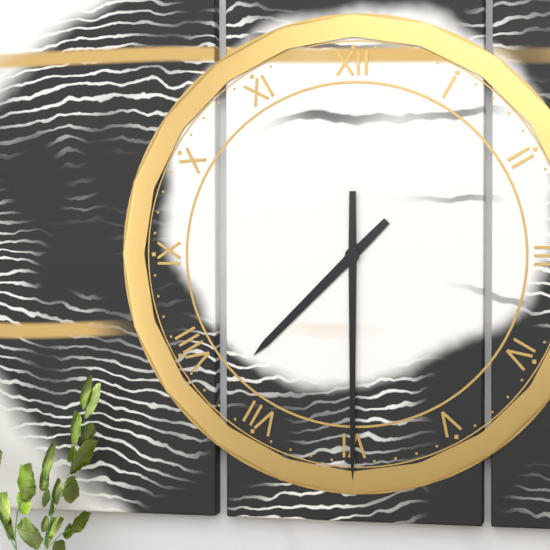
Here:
h=7 m=30
